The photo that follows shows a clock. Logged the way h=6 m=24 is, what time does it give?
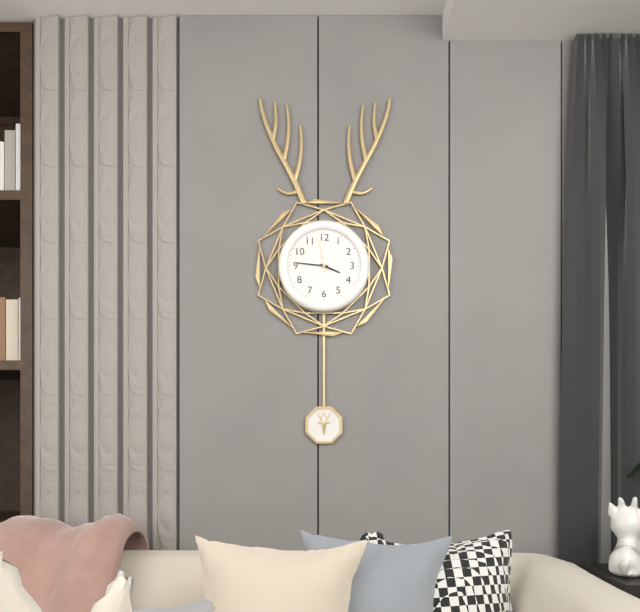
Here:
h=3 m=46
